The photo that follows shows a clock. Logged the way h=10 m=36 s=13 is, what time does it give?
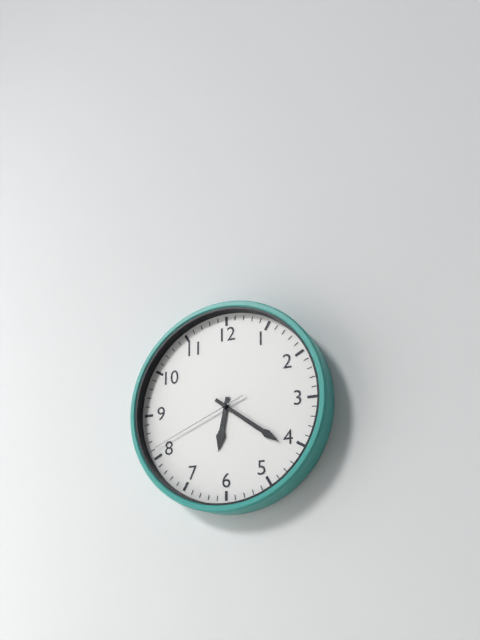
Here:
h=6 m=21 s=41
